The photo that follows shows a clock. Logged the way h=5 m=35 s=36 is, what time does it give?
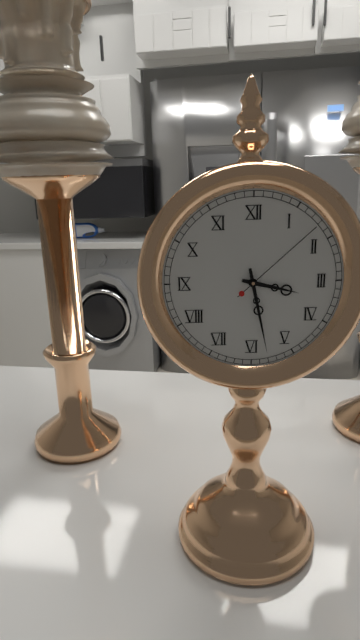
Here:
h=3 m=28 s=8
